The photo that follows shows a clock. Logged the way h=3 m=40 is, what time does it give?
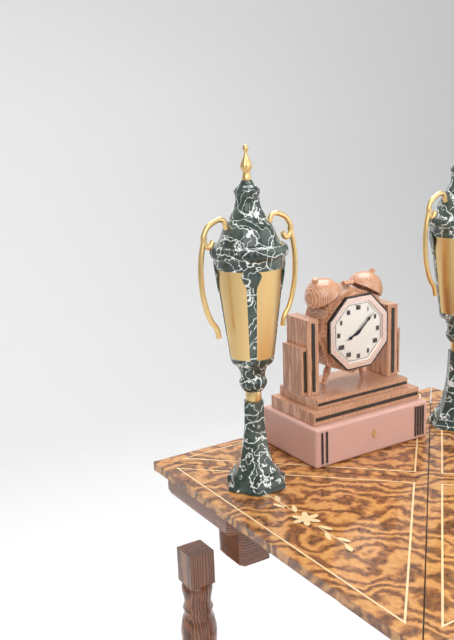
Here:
h=8 m=8
